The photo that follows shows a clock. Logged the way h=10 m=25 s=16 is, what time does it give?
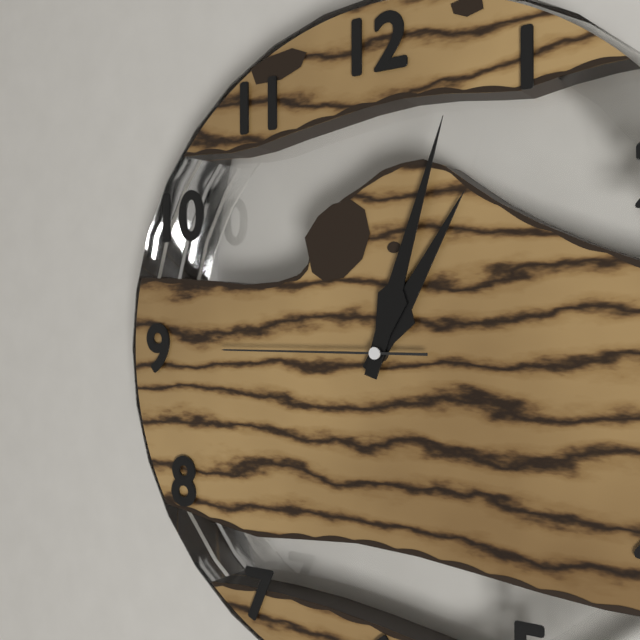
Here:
h=1 m=3 s=45
